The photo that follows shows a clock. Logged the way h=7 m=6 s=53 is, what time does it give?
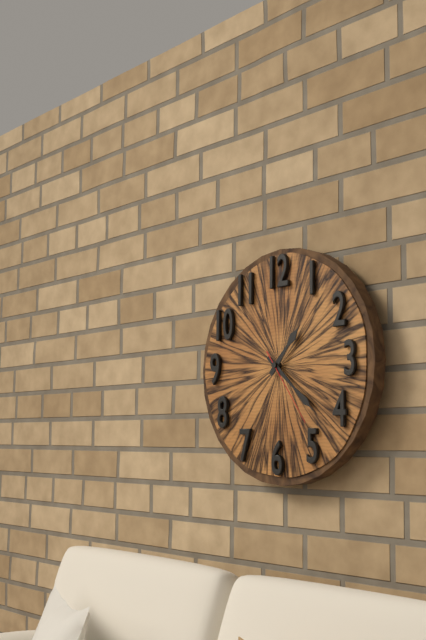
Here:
h=1 m=22 s=24
